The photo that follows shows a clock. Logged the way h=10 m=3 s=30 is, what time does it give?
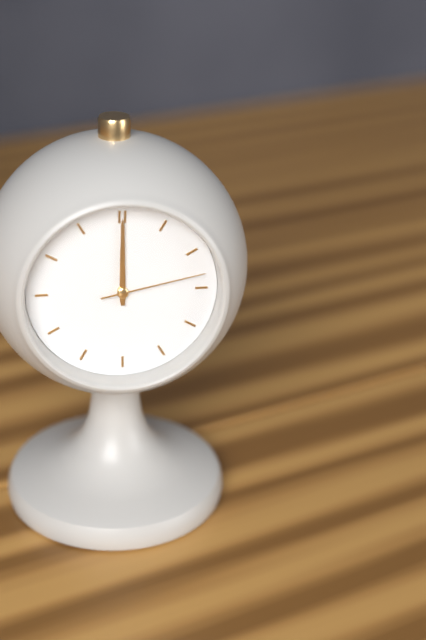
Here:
h=12 m=0 s=13
